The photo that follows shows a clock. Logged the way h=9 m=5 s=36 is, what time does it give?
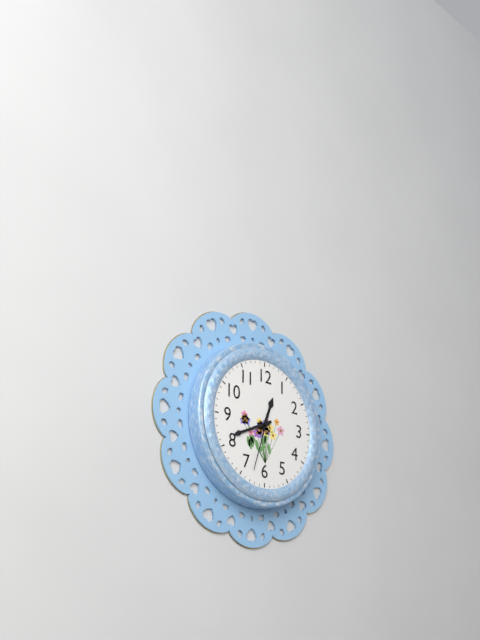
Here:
h=12 m=41 s=33
